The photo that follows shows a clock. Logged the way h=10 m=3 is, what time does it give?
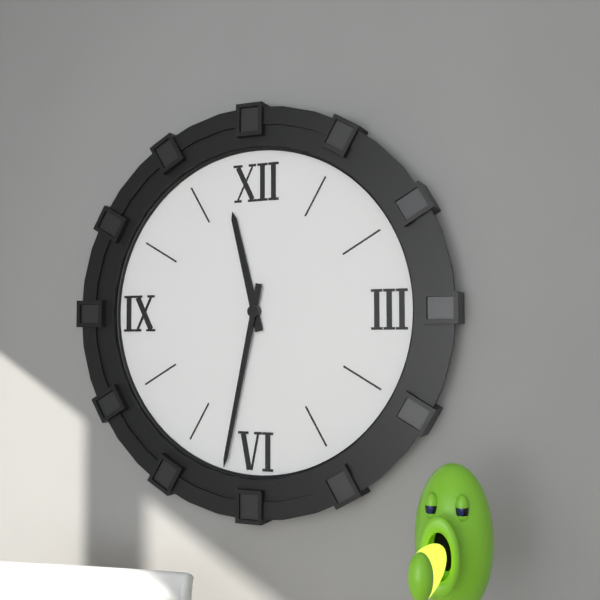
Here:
h=11 m=32
